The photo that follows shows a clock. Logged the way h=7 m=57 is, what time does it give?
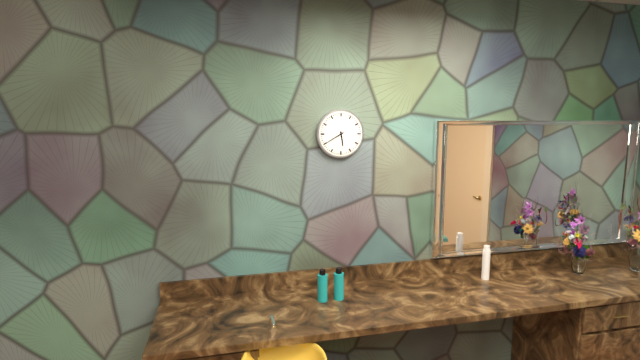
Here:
h=5 m=40
